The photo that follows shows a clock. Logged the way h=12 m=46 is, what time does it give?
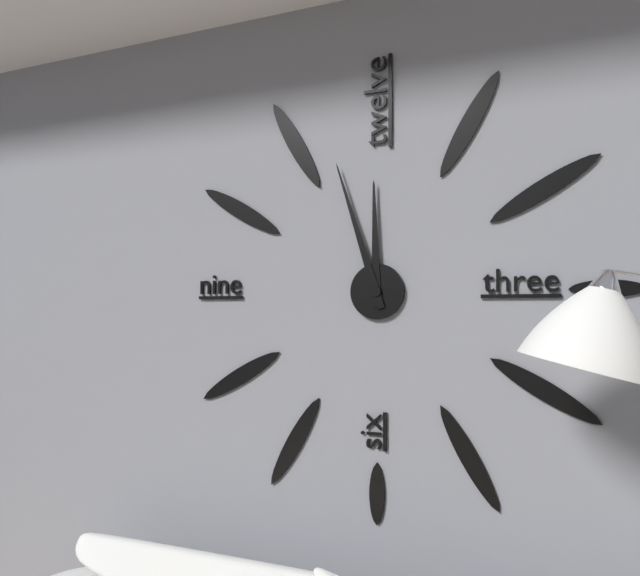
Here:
h=11 m=57
